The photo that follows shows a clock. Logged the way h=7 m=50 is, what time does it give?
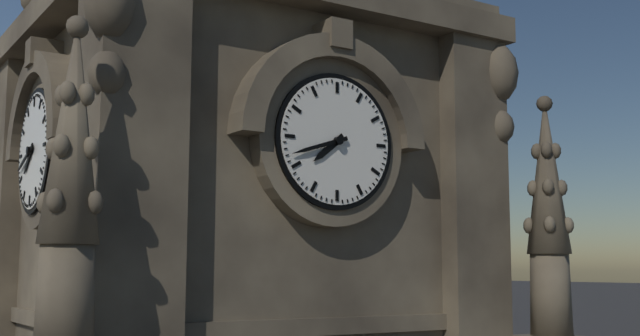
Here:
h=7 m=42
